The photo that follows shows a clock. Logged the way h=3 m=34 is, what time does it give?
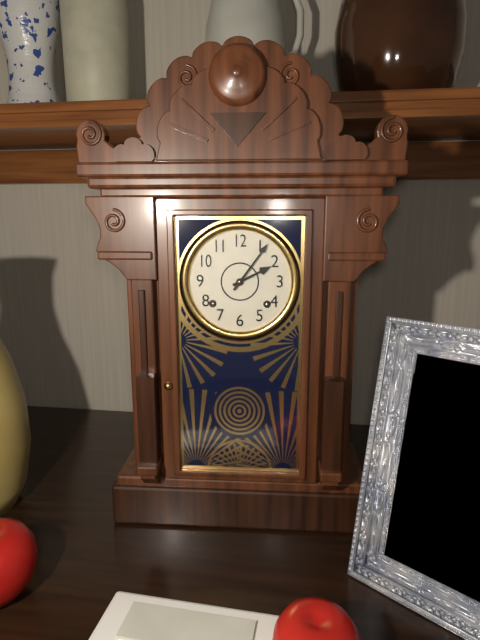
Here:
h=2 m=6
